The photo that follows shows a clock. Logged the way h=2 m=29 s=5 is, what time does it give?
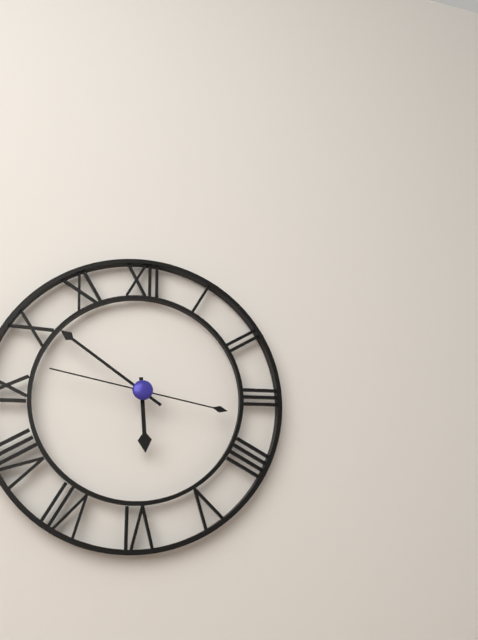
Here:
h=5 m=51 s=47
